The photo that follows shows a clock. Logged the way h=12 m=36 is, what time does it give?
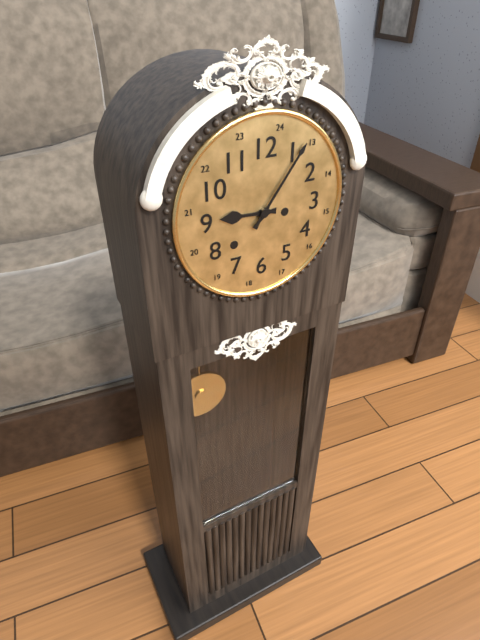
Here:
h=9 m=6
